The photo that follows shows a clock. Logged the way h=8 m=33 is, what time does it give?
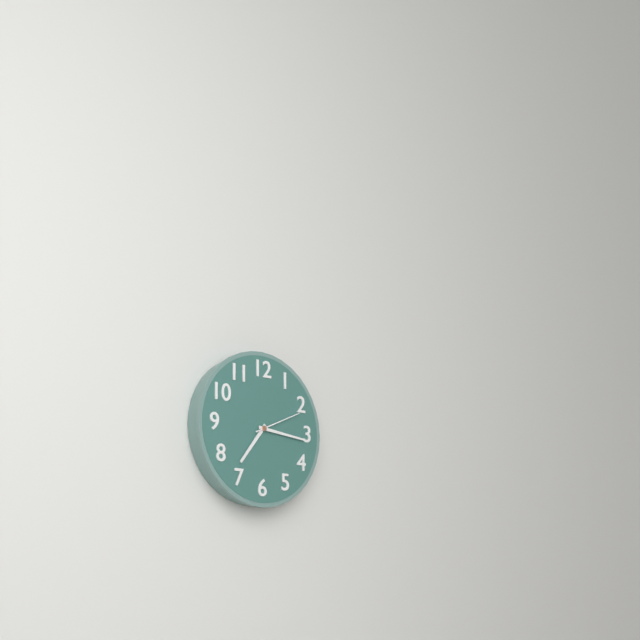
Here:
h=7 m=16
